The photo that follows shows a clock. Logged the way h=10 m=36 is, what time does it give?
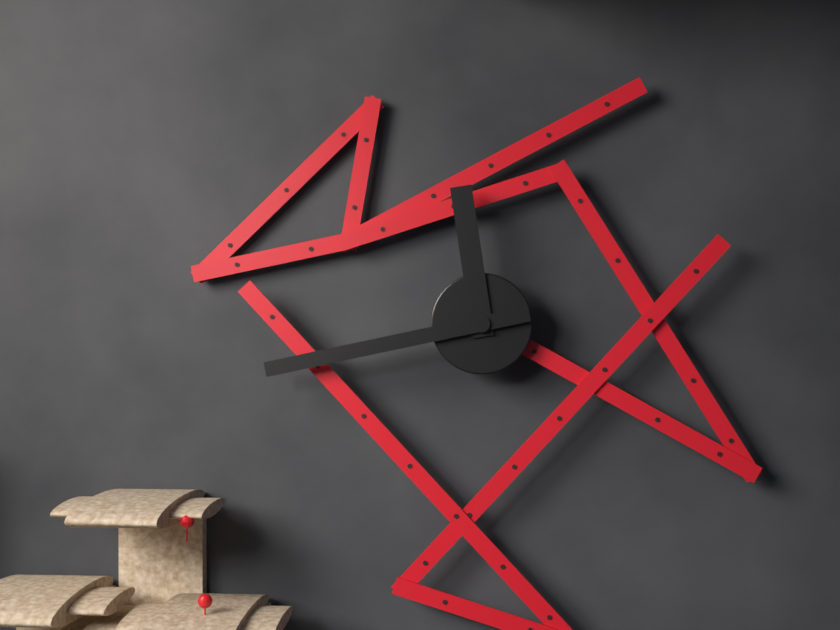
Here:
h=11 m=43
